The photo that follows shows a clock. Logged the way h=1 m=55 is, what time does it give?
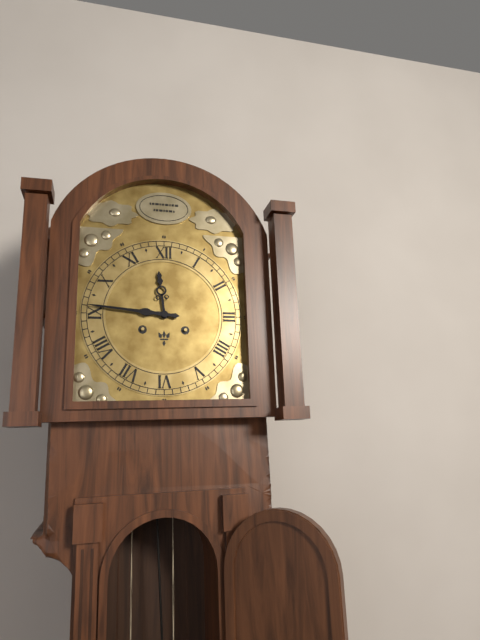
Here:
h=11 m=46
